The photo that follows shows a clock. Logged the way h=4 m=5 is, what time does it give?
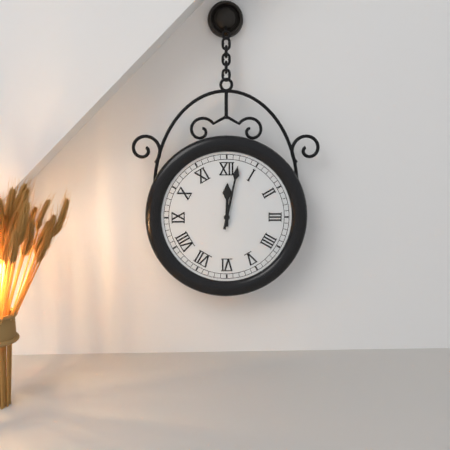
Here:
h=12 m=2
